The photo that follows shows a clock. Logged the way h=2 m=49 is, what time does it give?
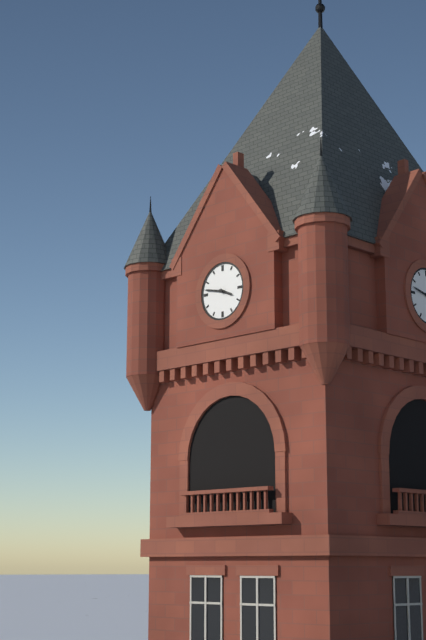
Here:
h=3 m=47
